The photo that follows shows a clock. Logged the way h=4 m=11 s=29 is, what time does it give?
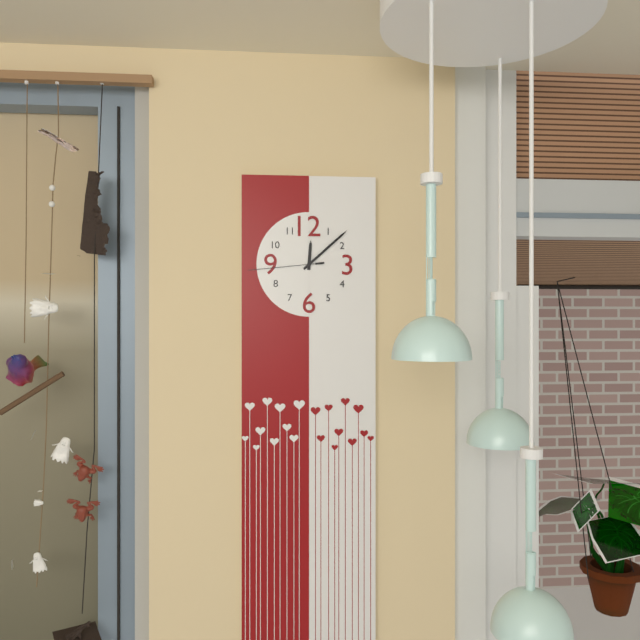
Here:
h=12 m=8 s=44
